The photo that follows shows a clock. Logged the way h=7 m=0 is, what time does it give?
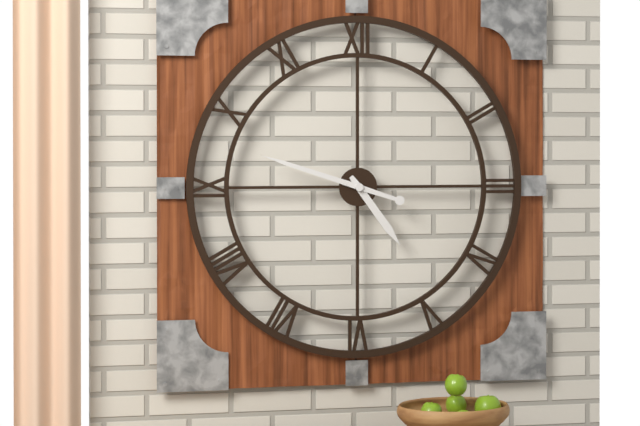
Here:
h=4 m=48
